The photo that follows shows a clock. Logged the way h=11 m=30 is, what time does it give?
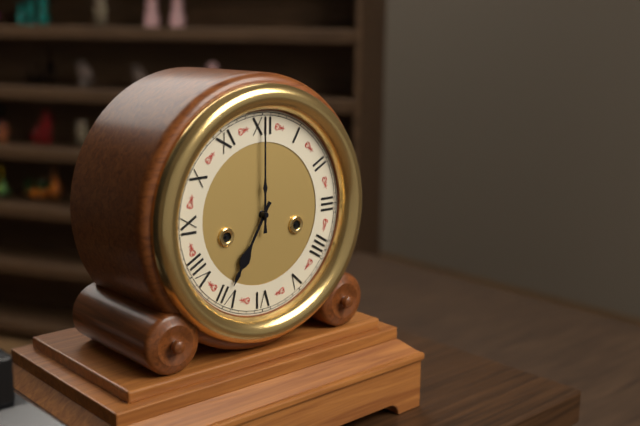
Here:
h=7 m=0
